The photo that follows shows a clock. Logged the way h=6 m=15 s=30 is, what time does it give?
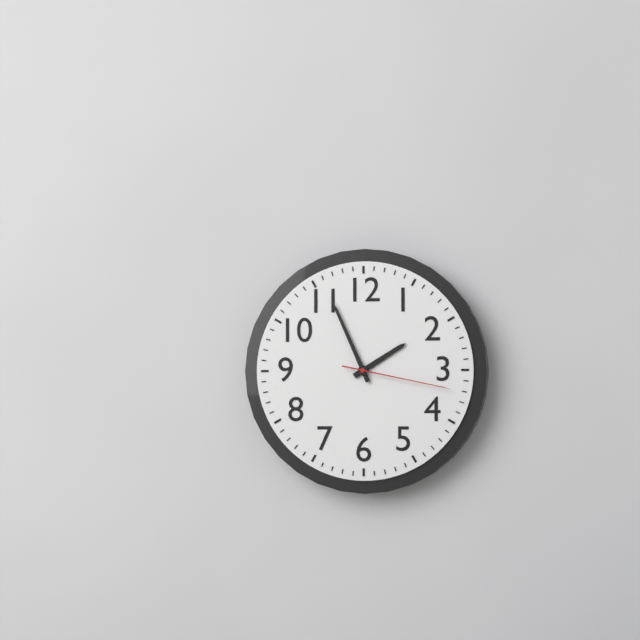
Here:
h=1 m=56 s=17
